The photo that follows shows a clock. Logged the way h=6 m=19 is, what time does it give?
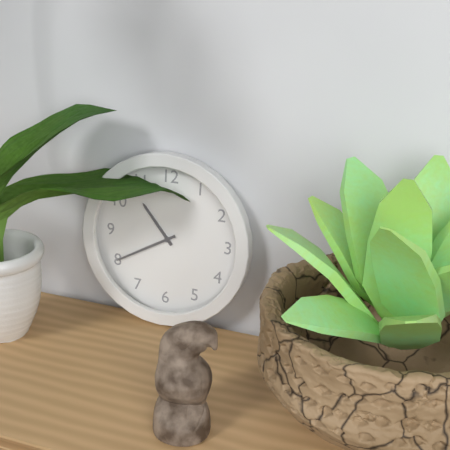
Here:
h=10 m=40
